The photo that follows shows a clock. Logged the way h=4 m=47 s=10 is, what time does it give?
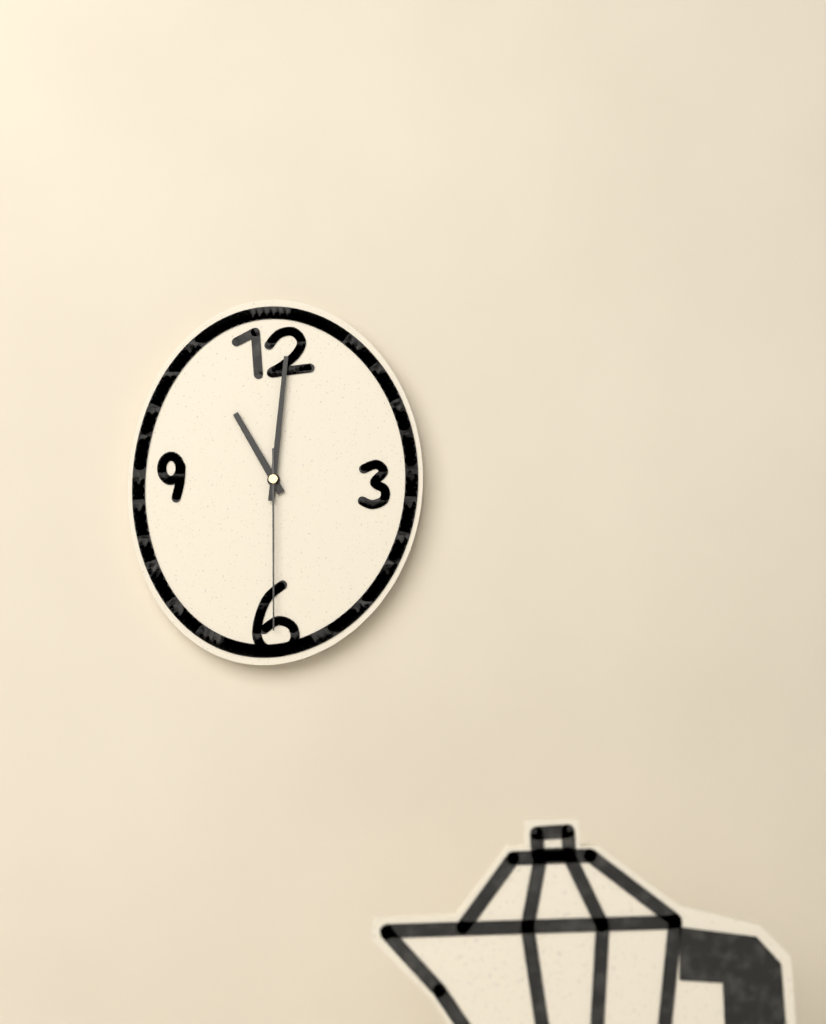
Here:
h=11 m=1 s=30
